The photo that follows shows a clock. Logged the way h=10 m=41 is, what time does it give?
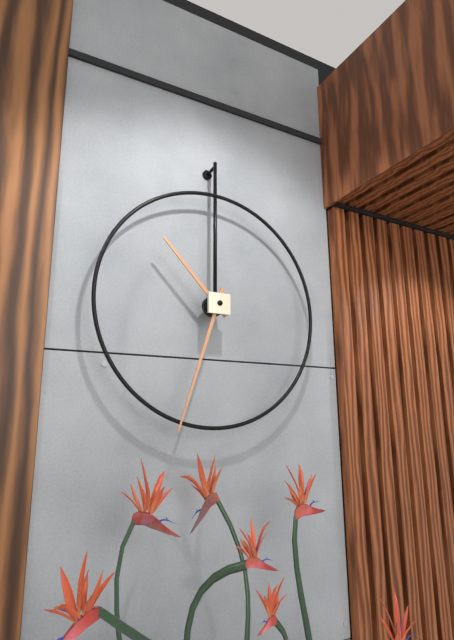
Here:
h=10 m=33
